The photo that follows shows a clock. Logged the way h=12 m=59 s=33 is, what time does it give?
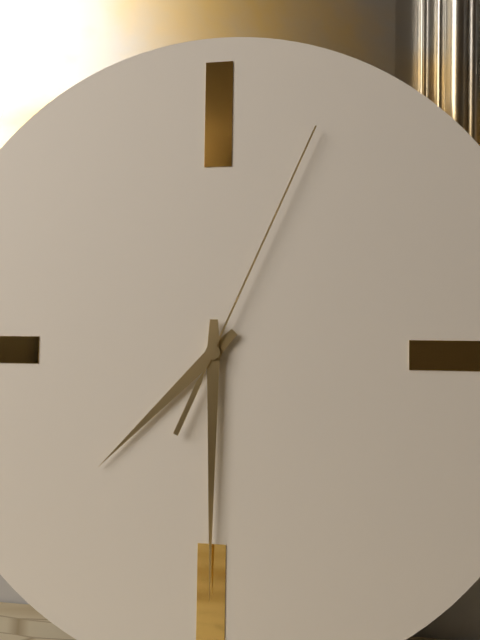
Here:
h=7 m=30 s=4
